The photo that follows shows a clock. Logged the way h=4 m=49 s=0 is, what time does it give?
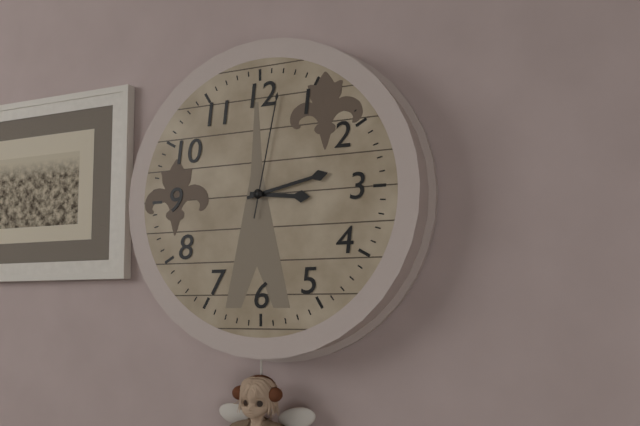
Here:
h=3 m=13 s=2
